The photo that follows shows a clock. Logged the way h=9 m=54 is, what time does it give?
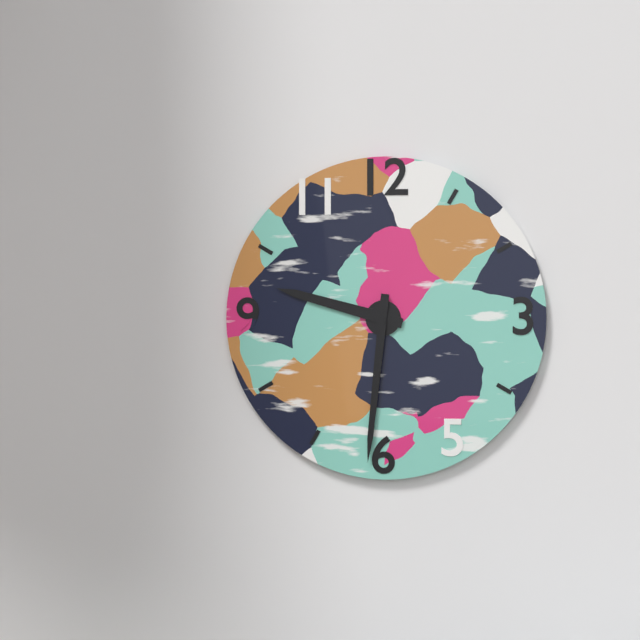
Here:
h=9 m=31
